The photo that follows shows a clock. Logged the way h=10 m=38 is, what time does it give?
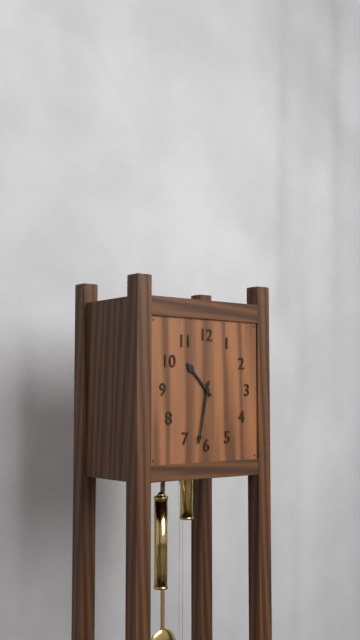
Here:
h=10 m=32
